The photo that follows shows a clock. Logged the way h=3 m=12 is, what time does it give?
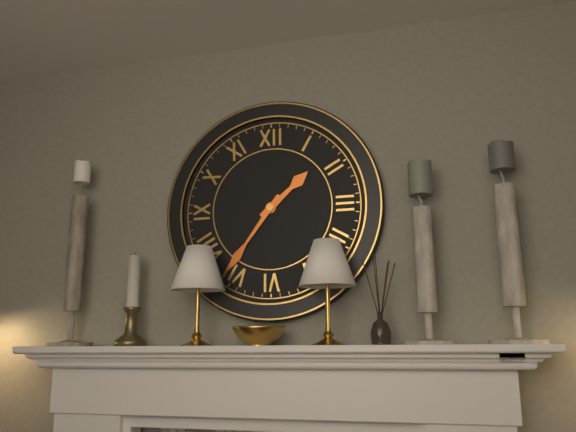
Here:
h=1 m=36
